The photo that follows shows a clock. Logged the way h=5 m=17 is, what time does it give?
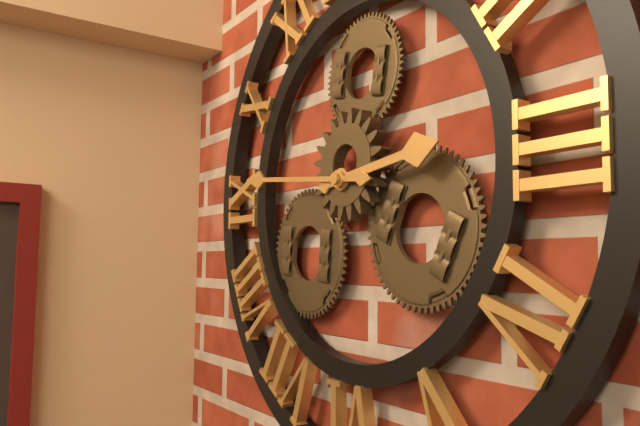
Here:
h=2 m=46
